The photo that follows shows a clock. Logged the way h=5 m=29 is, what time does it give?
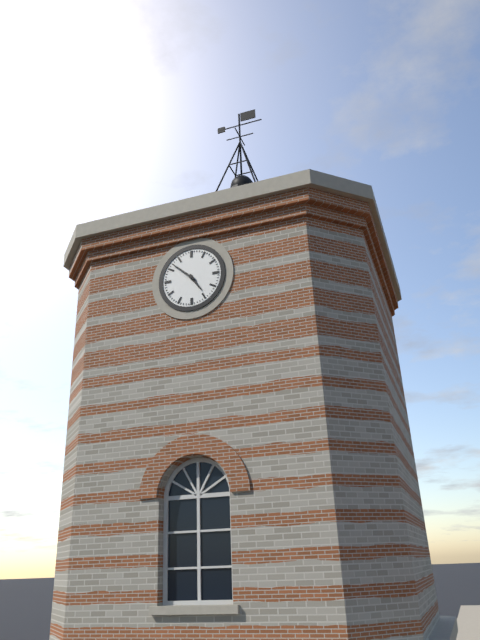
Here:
h=4 m=52
